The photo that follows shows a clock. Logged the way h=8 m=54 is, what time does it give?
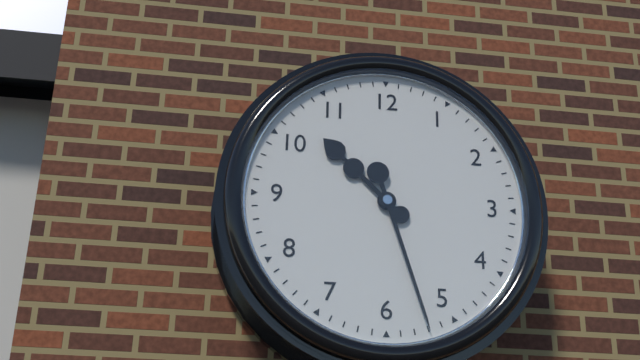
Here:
h=10 m=27
